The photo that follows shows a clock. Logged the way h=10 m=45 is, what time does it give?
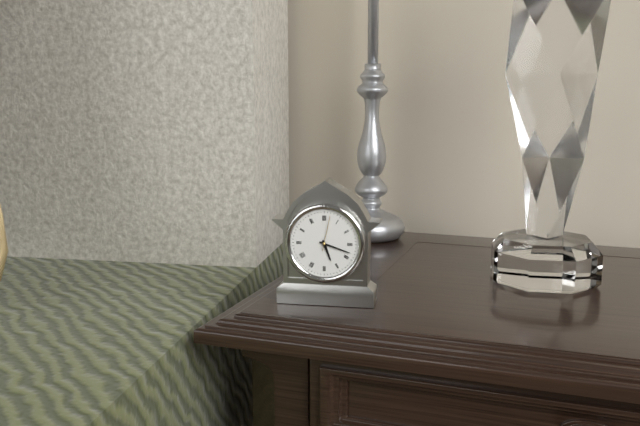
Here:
h=5 m=18
